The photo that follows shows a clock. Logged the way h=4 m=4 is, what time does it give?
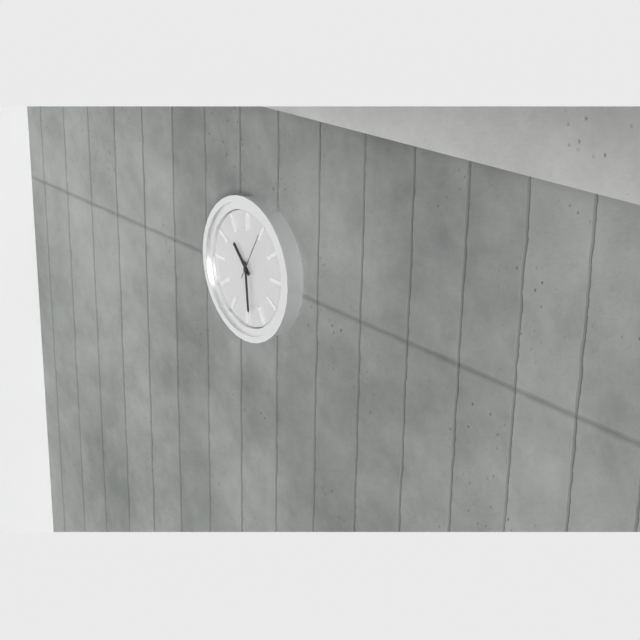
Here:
h=10 m=29
